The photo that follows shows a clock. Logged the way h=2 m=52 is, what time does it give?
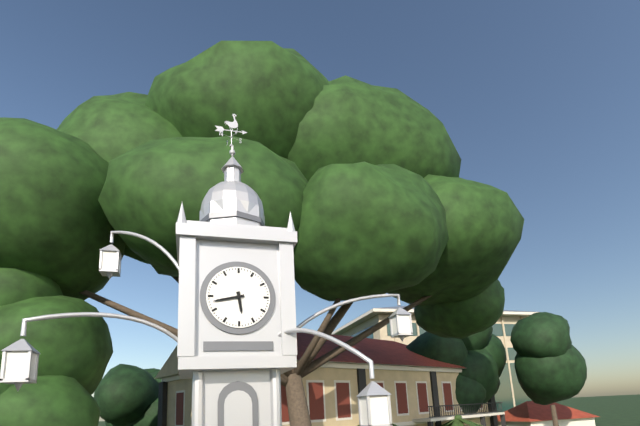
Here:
h=5 m=43
